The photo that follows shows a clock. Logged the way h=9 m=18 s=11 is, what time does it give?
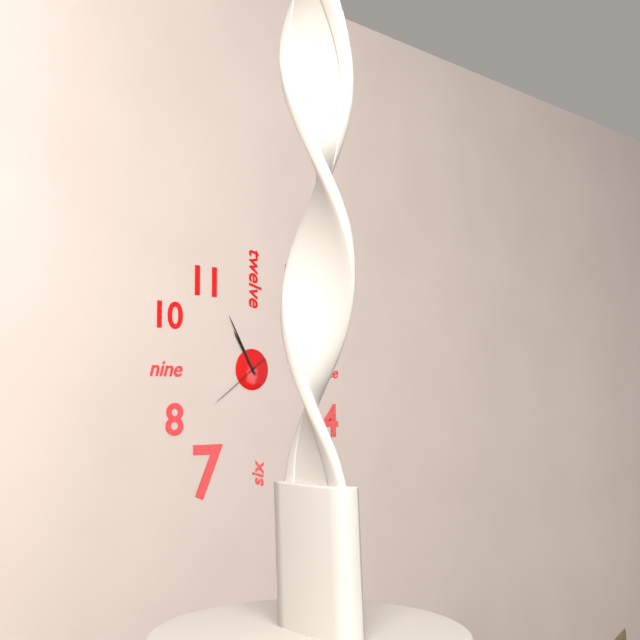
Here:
h=10 m=55 s=39
